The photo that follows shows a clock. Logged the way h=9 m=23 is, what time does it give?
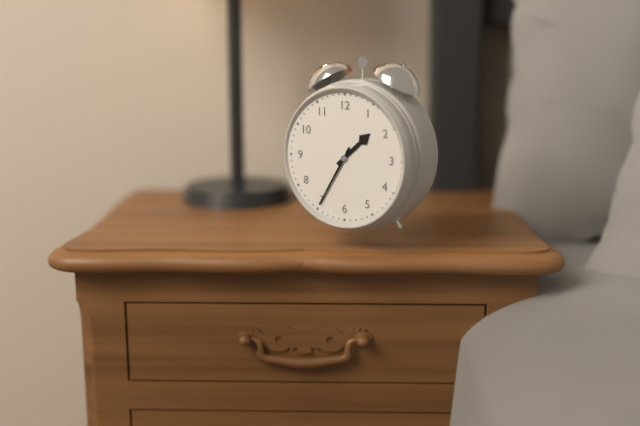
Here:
h=1 m=35
